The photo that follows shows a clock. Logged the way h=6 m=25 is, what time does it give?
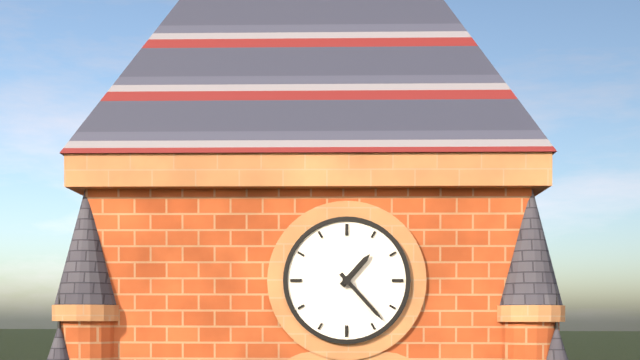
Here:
h=1 m=23
